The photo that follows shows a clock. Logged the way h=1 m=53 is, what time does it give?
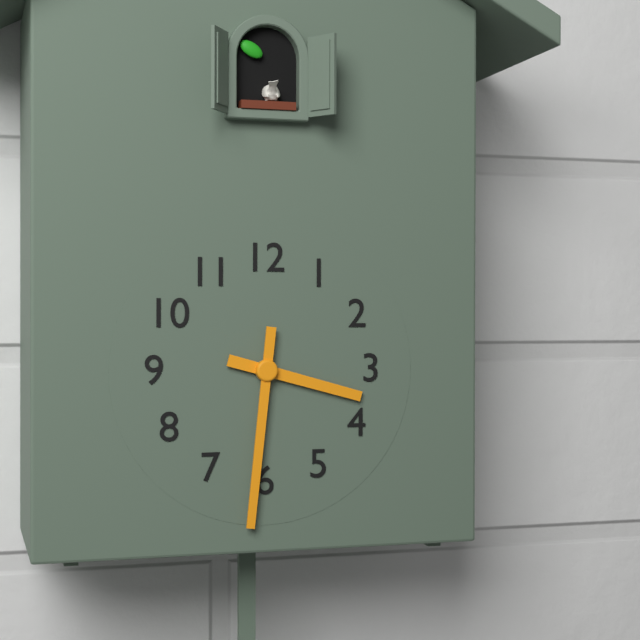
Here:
h=3 m=31
